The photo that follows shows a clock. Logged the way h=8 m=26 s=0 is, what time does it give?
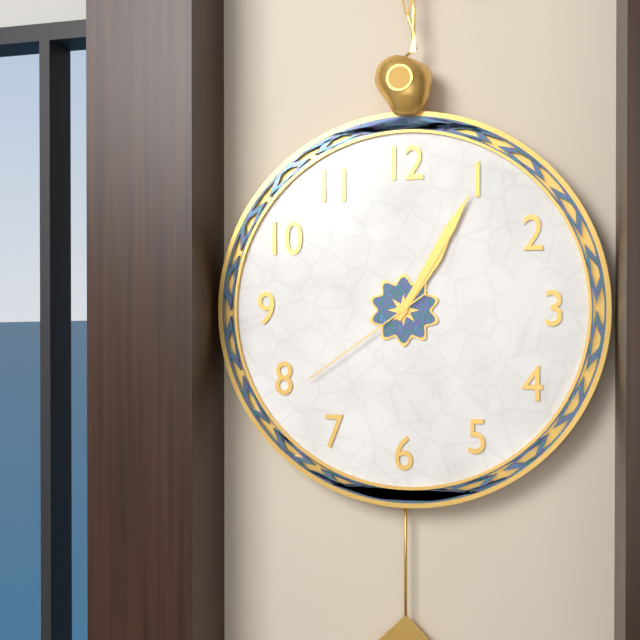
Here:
h=1 m=5 s=39
